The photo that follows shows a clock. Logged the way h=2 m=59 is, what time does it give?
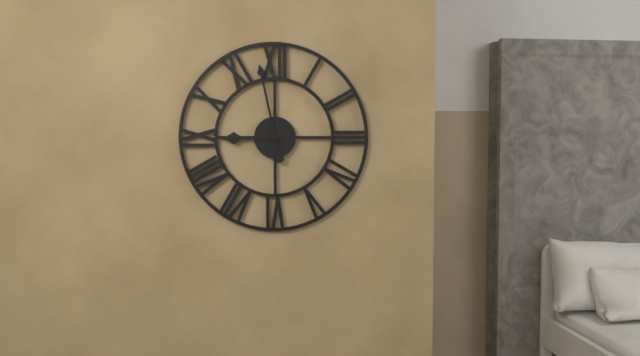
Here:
h=8 m=58
